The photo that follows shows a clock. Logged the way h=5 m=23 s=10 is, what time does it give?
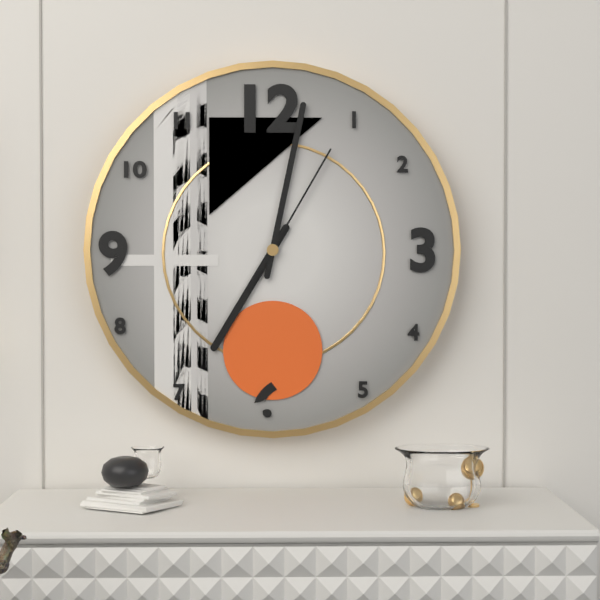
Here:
h=7 m=2 s=5
